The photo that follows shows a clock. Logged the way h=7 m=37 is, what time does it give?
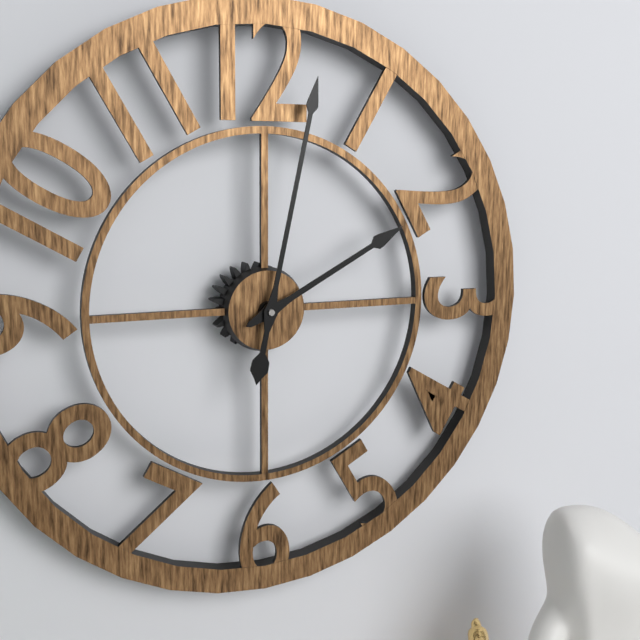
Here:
h=2 m=2
